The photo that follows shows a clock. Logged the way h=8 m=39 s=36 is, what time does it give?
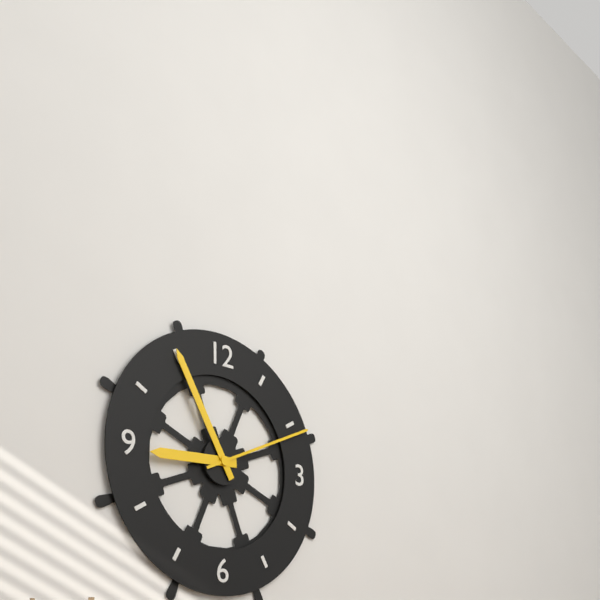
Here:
h=8 m=55 s=11
